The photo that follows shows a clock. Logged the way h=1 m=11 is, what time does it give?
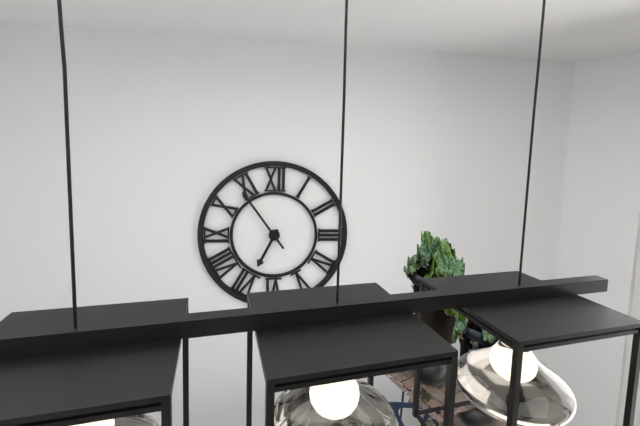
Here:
h=6 m=54
